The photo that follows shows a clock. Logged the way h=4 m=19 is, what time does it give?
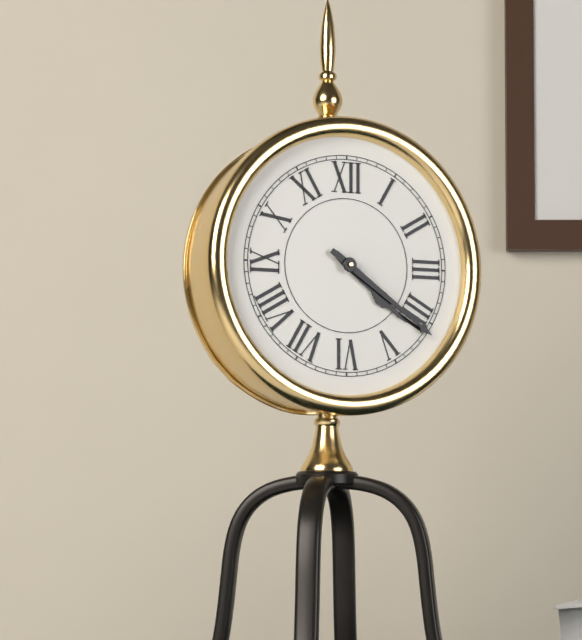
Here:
h=4 m=21
